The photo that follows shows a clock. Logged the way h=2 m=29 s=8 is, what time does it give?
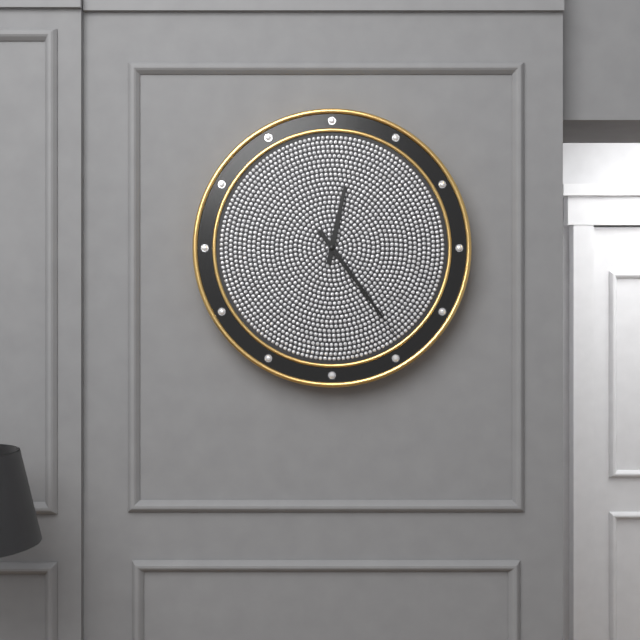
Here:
h=12 m=24 s=24
